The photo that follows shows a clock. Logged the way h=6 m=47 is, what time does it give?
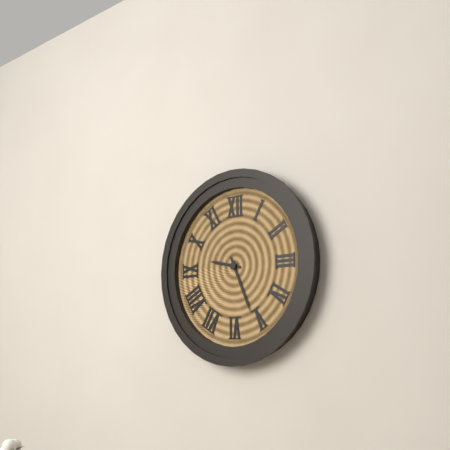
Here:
h=9 m=26
